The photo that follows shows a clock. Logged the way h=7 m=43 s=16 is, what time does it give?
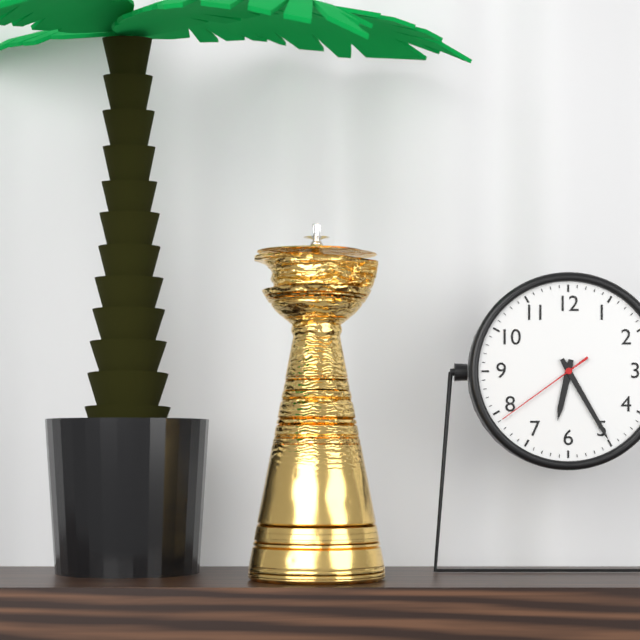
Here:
h=6 m=25 s=39
